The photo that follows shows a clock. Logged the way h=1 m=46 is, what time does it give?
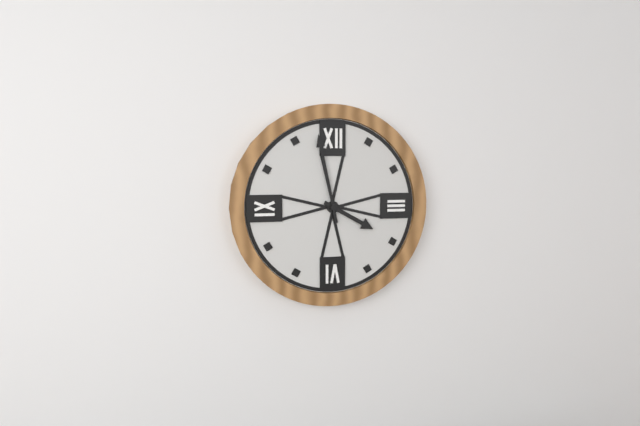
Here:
h=3 m=58
